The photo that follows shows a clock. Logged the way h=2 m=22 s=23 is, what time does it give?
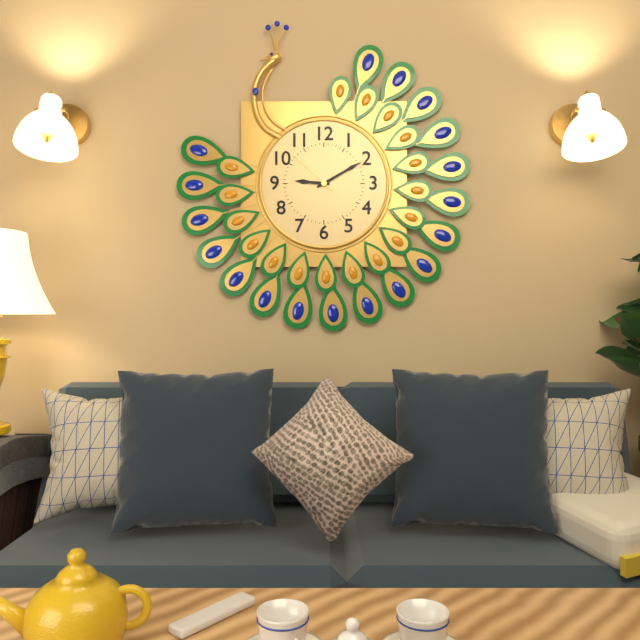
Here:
h=9 m=10 s=52
